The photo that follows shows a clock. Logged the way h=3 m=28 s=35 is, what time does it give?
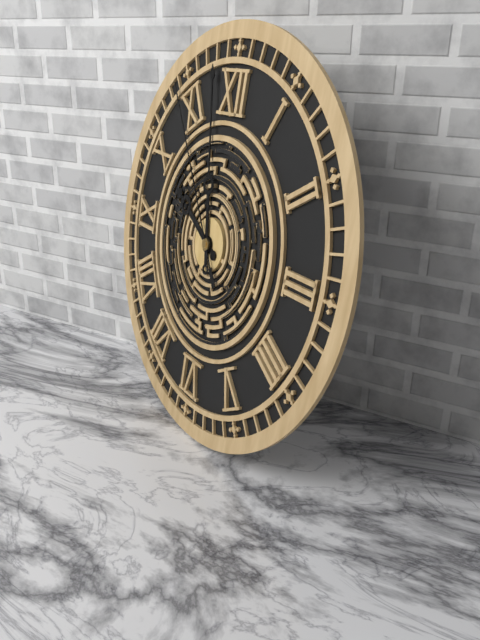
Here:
h=9 m=58 s=54
